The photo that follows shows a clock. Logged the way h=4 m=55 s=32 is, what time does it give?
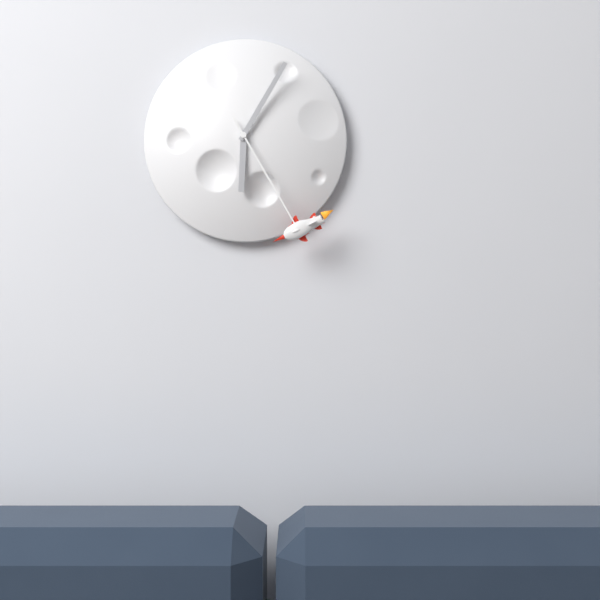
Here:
h=6 m=5 s=25
